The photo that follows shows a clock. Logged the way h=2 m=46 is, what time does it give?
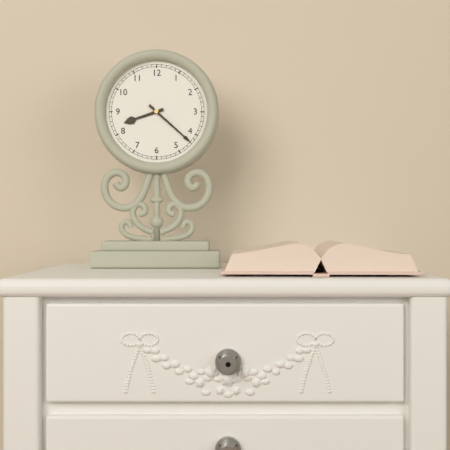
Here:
h=8 m=22
